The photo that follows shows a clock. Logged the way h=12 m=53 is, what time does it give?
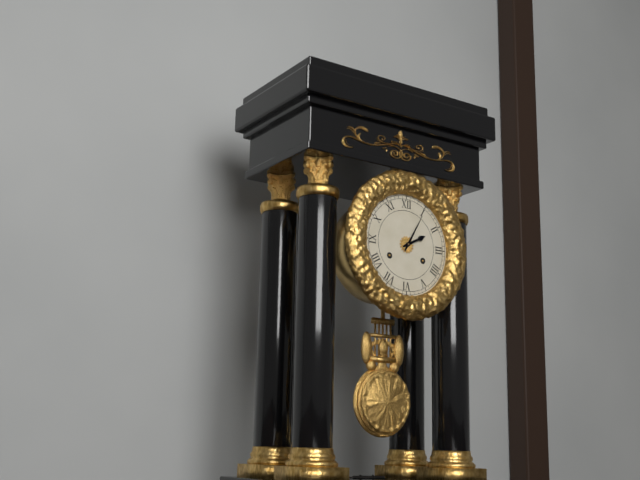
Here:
h=2 m=5
